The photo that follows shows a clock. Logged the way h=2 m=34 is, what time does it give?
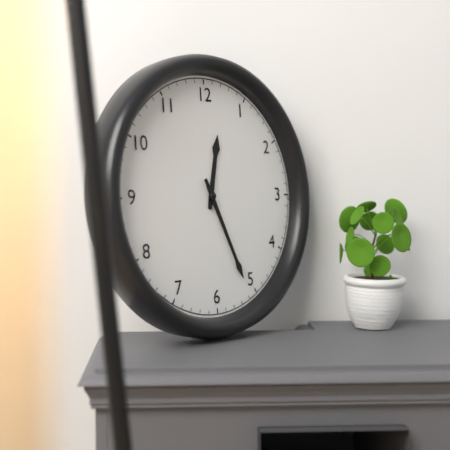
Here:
h=12 m=26
